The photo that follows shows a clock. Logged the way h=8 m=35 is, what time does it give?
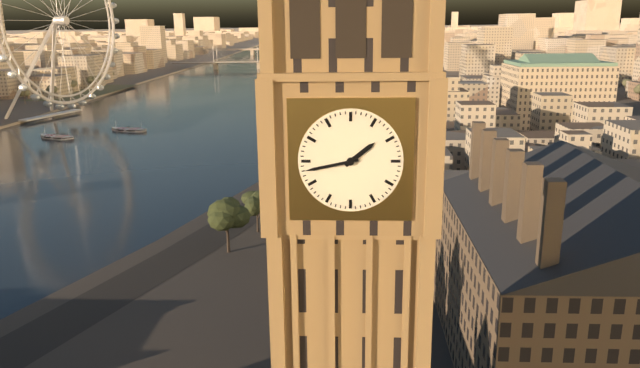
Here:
h=1 m=43
